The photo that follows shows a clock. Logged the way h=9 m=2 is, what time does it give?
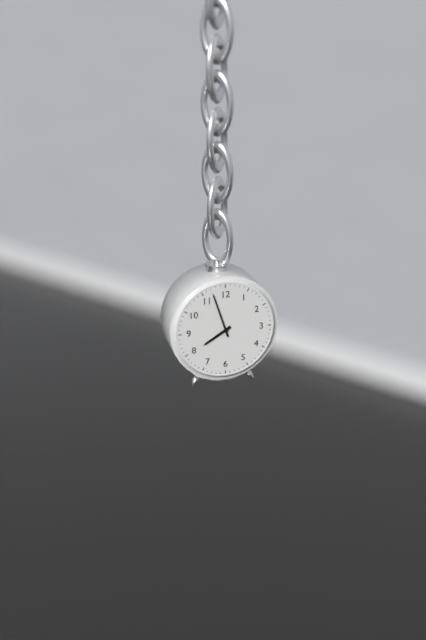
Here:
h=7 m=57
